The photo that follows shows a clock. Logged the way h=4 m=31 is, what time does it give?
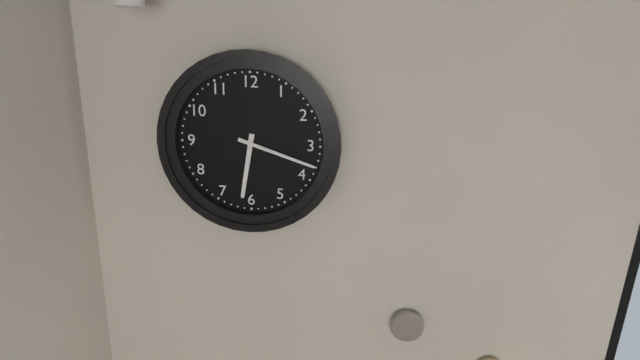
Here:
h=6 m=18
